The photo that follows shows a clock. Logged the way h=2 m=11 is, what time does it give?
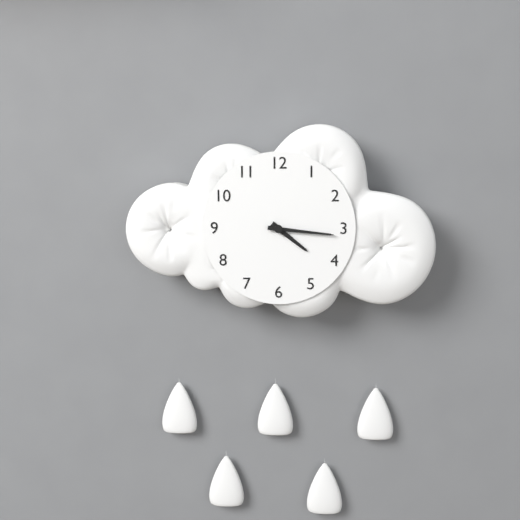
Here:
h=4 m=16
